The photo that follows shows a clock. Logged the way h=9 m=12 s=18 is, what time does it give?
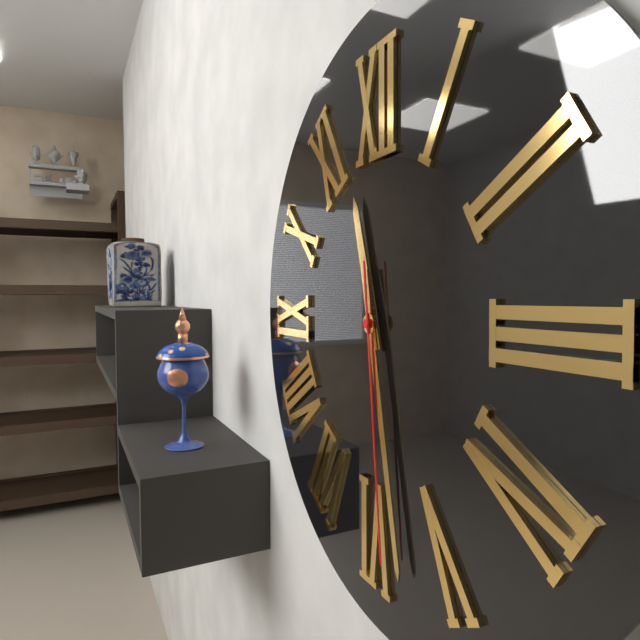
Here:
h=11 m=28 s=29
